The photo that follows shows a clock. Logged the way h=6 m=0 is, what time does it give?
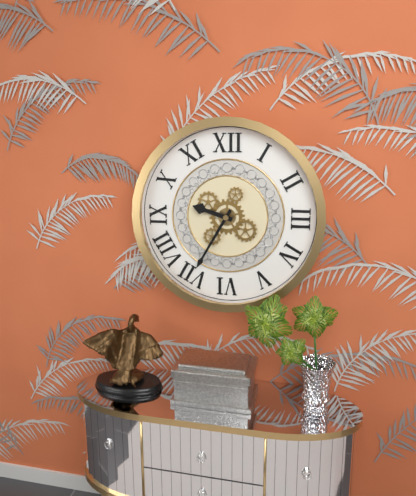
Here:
h=9 m=35
